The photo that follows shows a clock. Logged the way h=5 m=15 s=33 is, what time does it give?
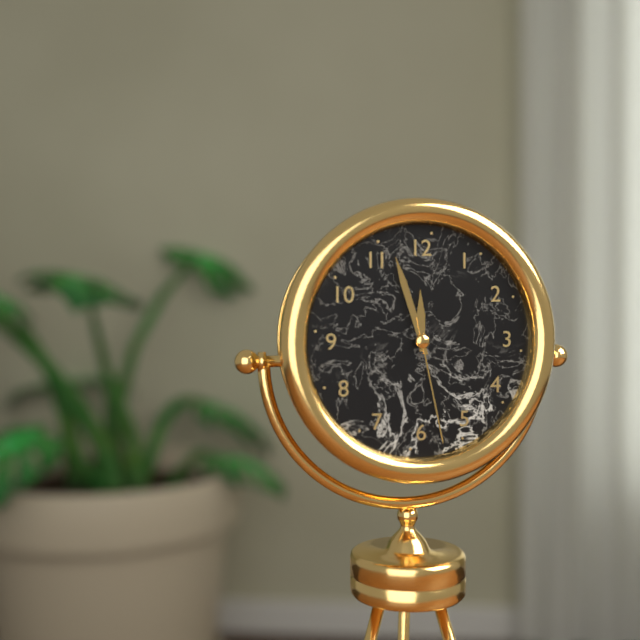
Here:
h=11 m=57 s=28
